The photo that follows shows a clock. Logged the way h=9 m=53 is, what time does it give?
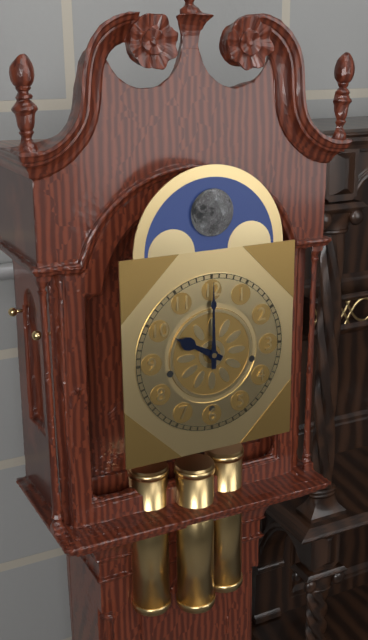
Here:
h=10 m=0
